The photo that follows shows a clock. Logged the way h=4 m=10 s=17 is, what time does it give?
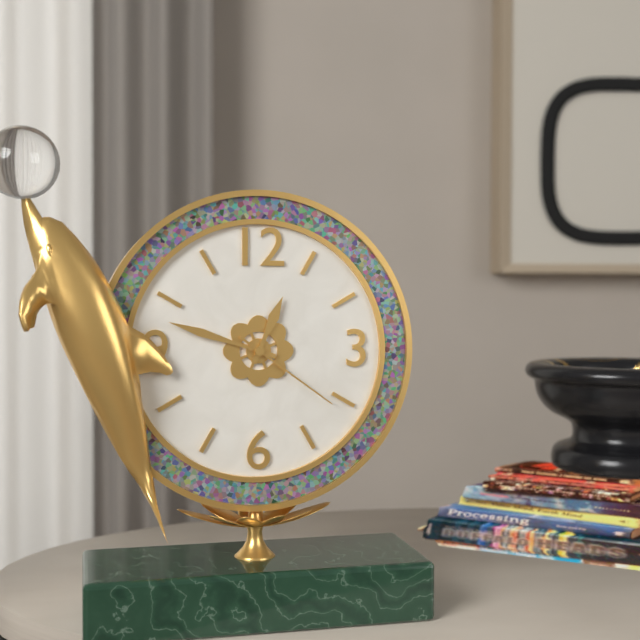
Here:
h=12 m=48 s=21
